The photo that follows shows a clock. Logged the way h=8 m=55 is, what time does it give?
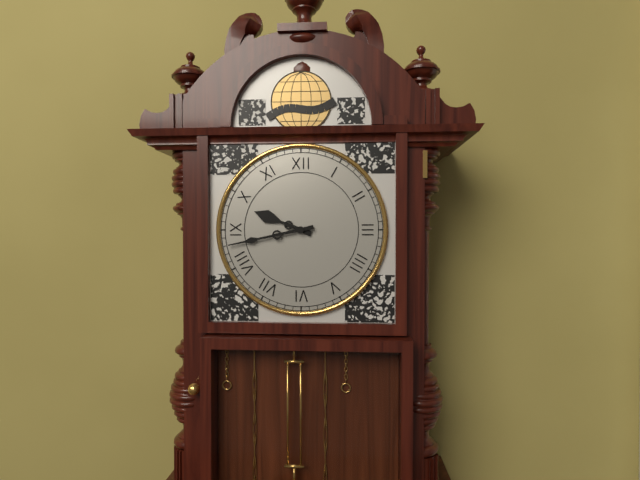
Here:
h=9 m=43
